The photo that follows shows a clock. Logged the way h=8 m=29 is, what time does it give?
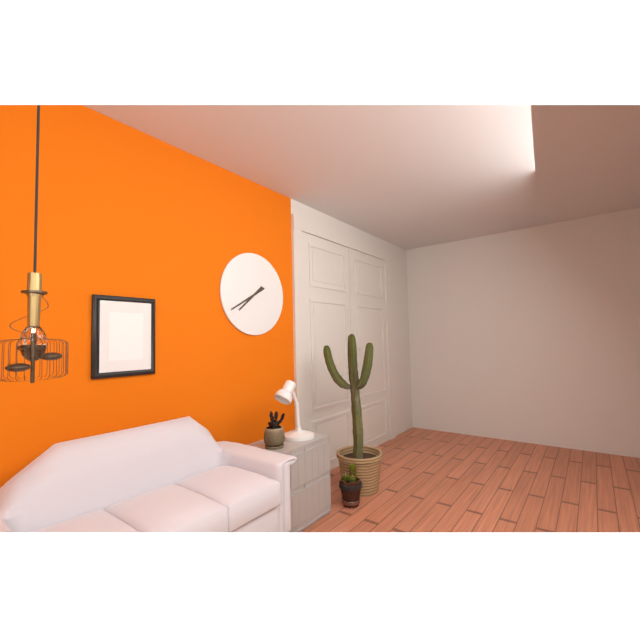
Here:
h=7 m=40
